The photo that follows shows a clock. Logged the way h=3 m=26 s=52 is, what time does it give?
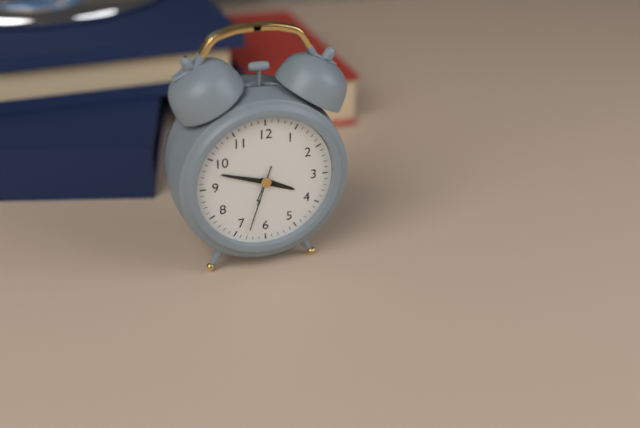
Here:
h=3 m=48 s=33
